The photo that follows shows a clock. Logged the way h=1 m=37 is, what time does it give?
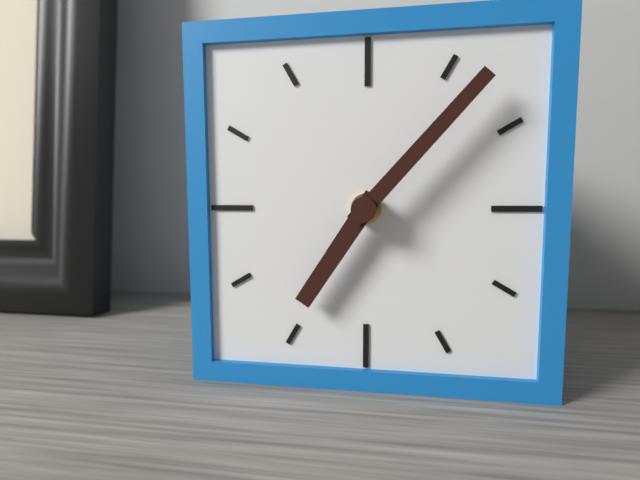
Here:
h=7 m=7
